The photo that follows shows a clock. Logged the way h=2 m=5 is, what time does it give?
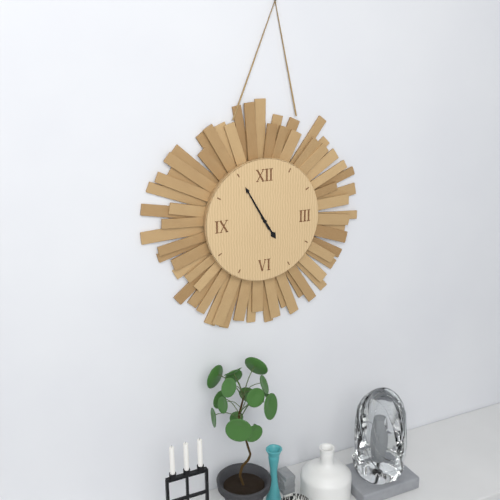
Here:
h=4 m=55
